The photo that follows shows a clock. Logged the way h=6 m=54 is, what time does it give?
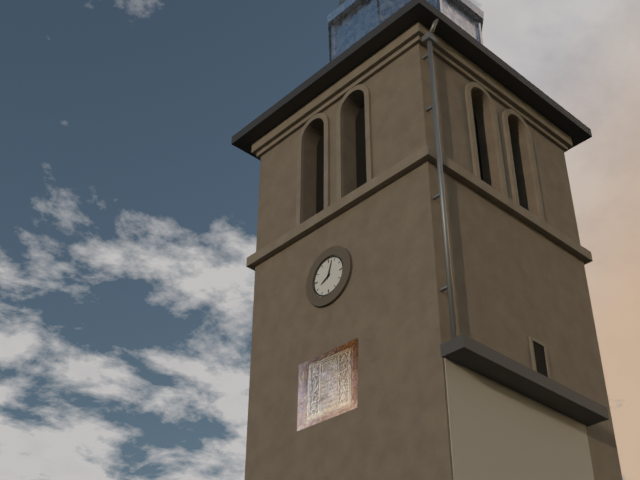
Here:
h=8 m=3
